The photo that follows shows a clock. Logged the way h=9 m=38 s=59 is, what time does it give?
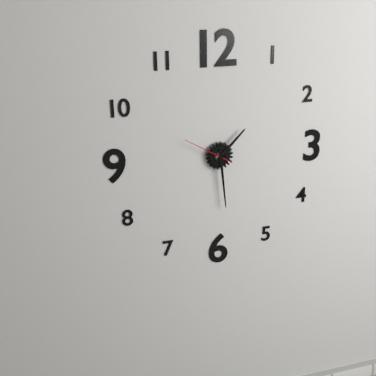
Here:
h=1 m=29 s=50
